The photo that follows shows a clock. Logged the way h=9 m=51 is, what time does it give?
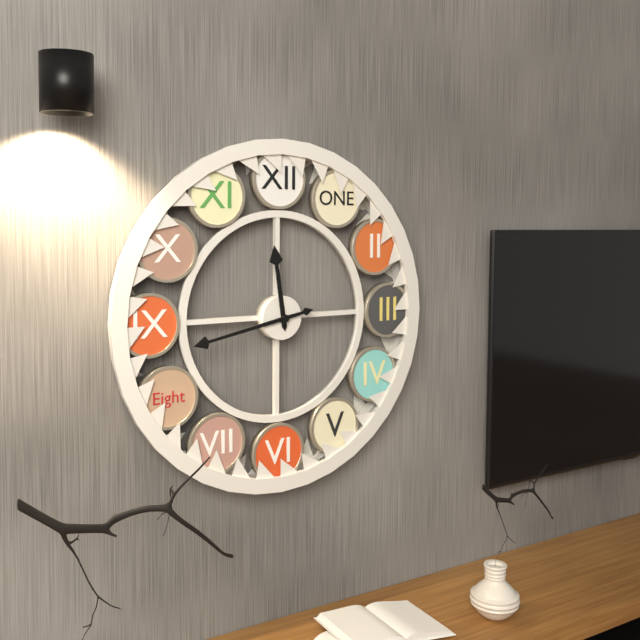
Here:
h=11 m=43
